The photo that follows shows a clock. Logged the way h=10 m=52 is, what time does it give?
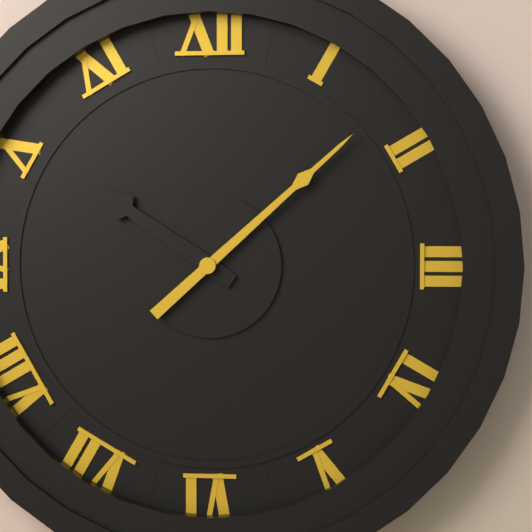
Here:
h=10 m=8
